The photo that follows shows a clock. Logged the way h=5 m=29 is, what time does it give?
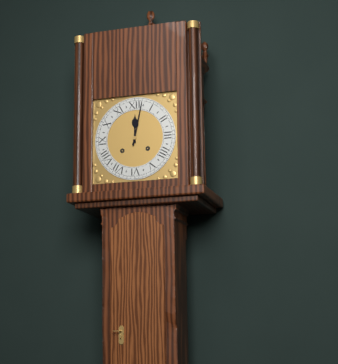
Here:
h=12 m=2
